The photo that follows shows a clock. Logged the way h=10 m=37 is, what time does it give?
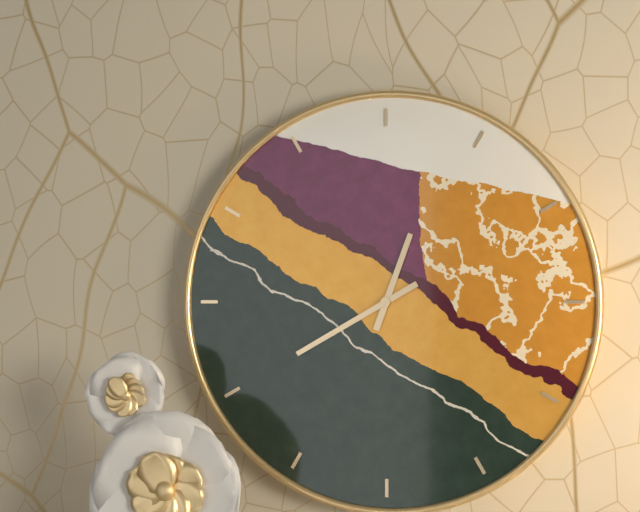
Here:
h=12 m=40
